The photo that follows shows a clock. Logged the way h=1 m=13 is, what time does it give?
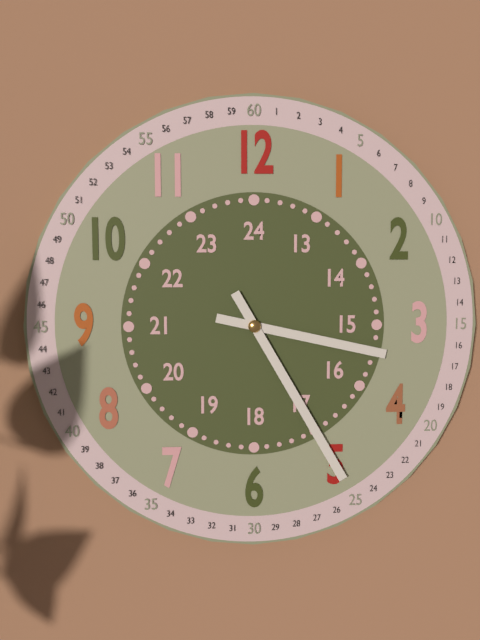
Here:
h=3 m=25
